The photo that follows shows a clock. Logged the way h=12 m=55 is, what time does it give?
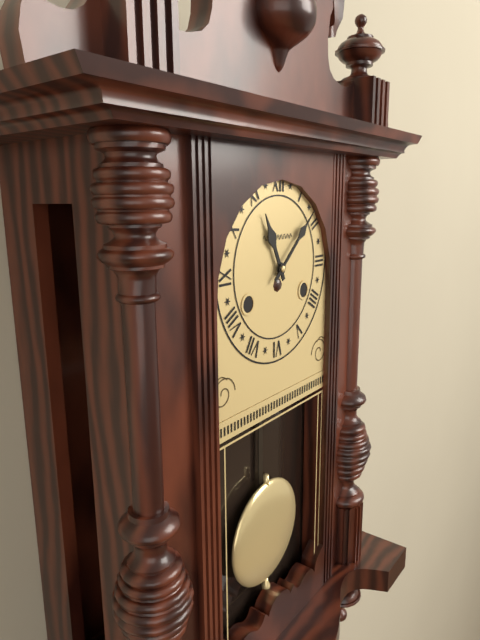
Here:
h=11 m=8
